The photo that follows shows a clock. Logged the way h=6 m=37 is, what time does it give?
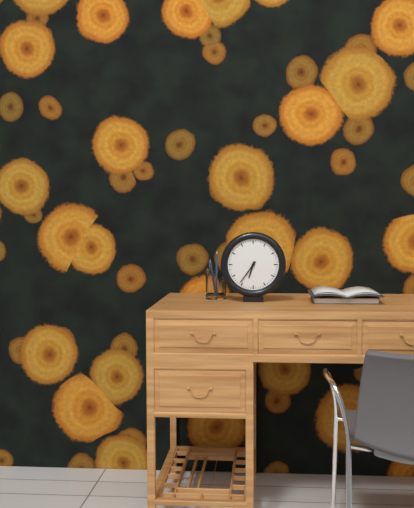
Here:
h=6 m=36
